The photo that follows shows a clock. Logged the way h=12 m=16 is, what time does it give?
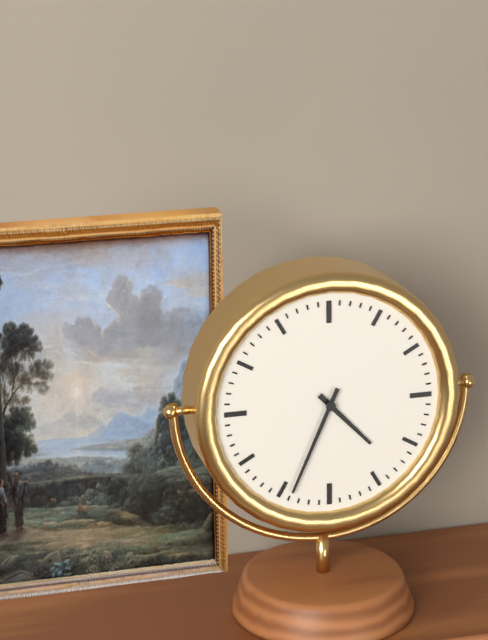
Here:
h=4 m=34
